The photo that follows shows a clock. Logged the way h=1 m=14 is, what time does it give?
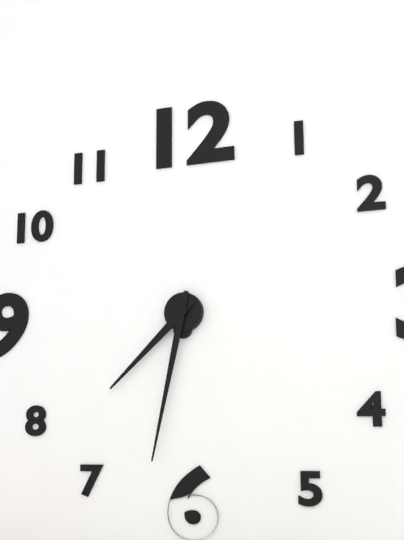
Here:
h=7 m=32
